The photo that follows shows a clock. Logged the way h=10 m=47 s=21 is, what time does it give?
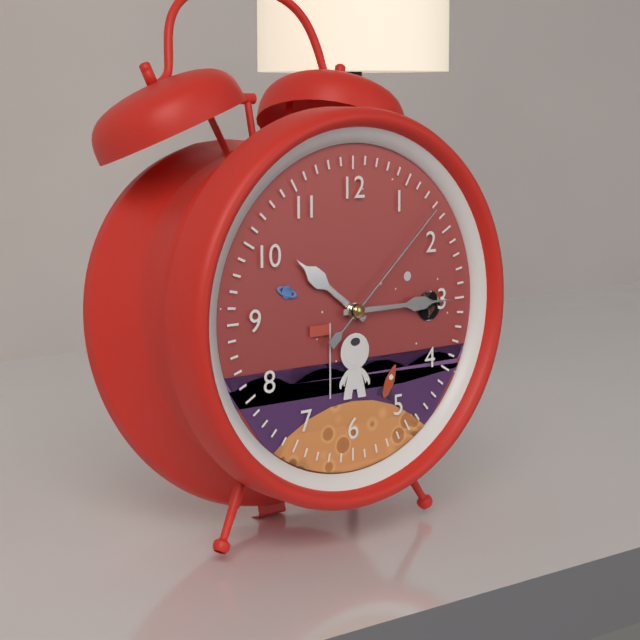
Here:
h=10 m=15 s=8
